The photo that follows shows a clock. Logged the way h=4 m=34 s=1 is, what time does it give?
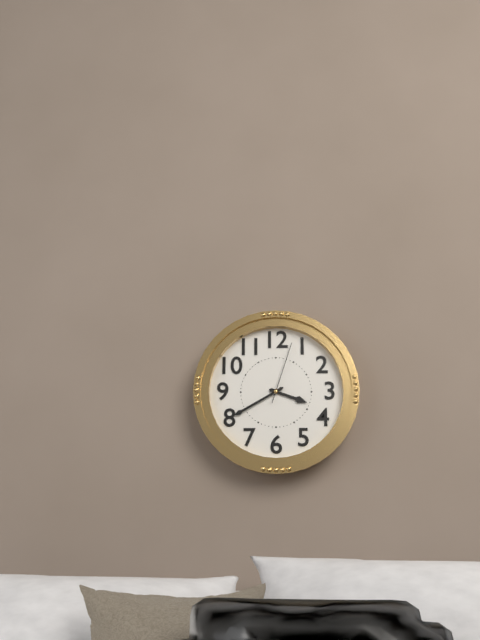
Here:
h=3 m=40 s=3
